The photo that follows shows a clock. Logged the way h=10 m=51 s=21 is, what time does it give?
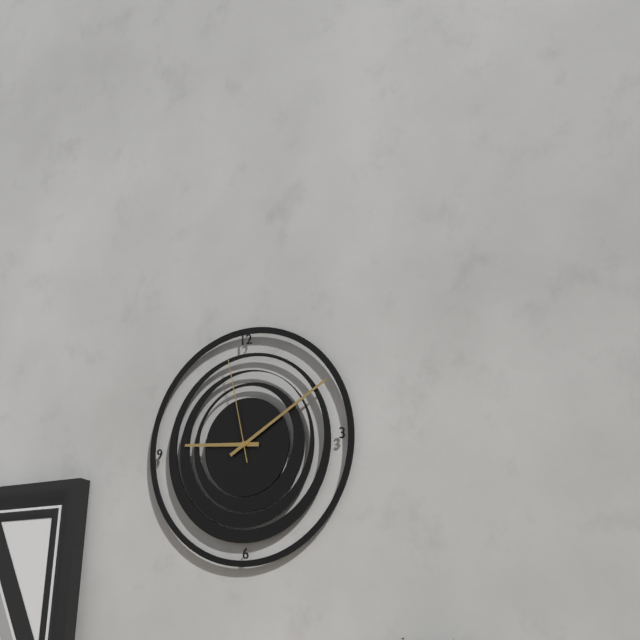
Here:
h=9 m=10 s=58
